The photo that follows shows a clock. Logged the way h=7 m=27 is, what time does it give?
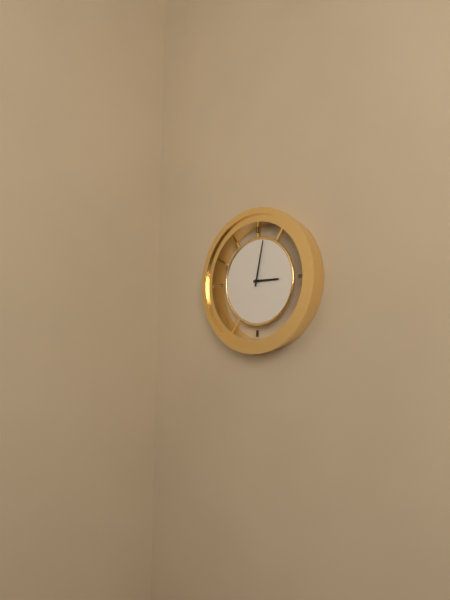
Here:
h=3 m=2
